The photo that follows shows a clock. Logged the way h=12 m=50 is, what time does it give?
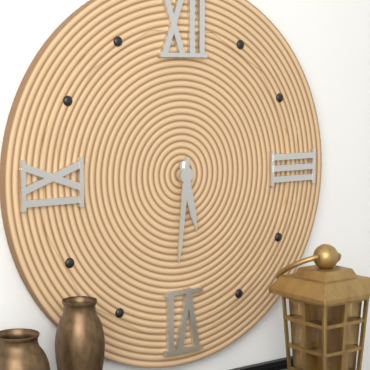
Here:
h=5 m=31
